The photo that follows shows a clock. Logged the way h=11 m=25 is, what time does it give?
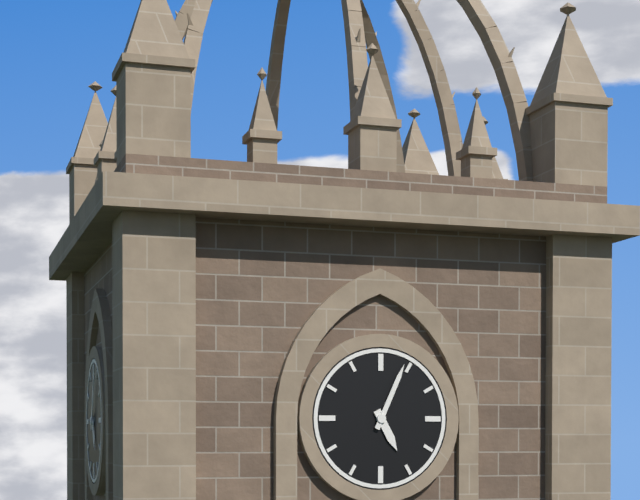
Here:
h=5 m=4
